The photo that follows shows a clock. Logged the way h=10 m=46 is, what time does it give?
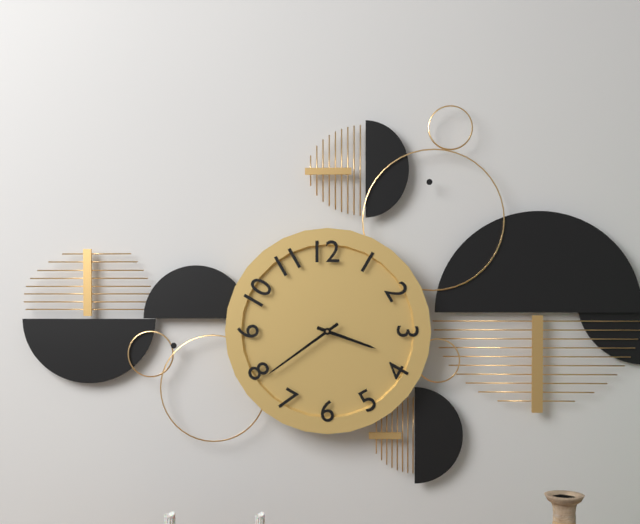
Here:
h=3 m=39
